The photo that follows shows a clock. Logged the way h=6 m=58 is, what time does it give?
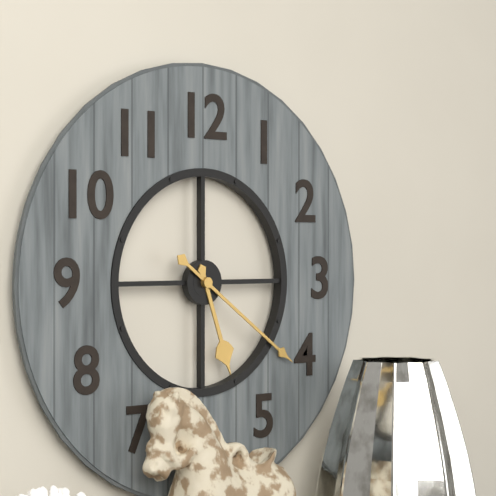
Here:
h=5 m=21
